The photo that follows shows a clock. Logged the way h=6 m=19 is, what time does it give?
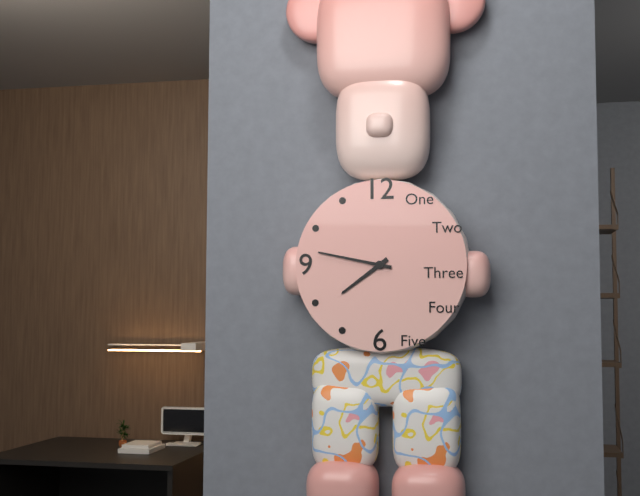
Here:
h=7 m=47
